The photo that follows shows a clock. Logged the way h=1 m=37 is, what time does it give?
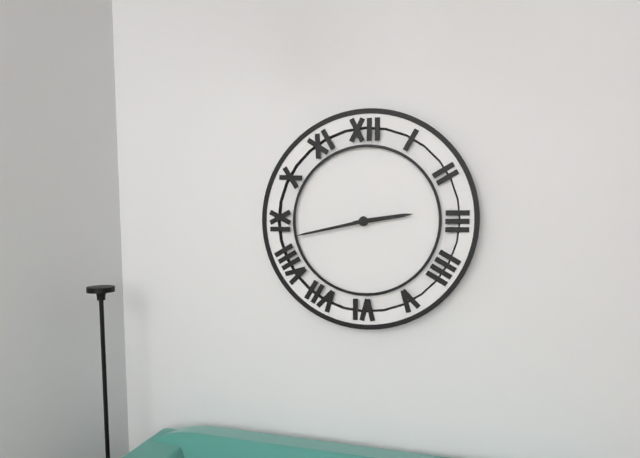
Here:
h=2 m=43
